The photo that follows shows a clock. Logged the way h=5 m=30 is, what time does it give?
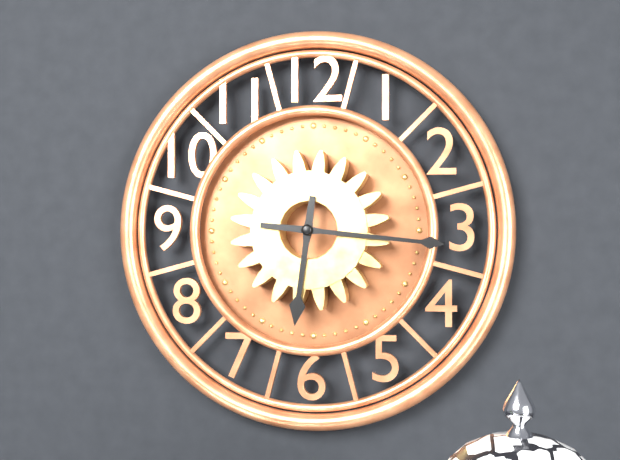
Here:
h=6 m=16
